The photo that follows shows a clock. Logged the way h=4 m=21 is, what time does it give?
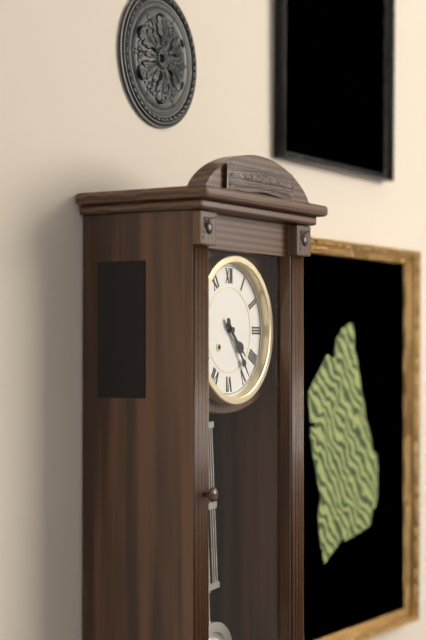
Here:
h=4 m=24
